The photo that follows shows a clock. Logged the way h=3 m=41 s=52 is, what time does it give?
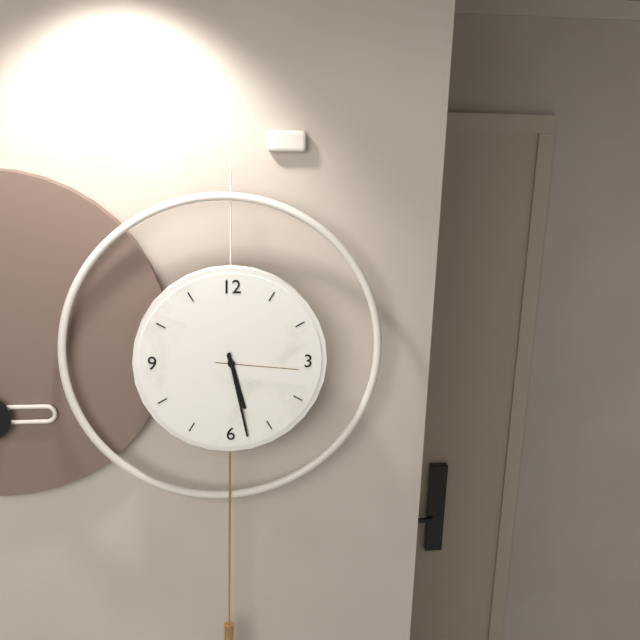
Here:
h=5 m=28 s=16
